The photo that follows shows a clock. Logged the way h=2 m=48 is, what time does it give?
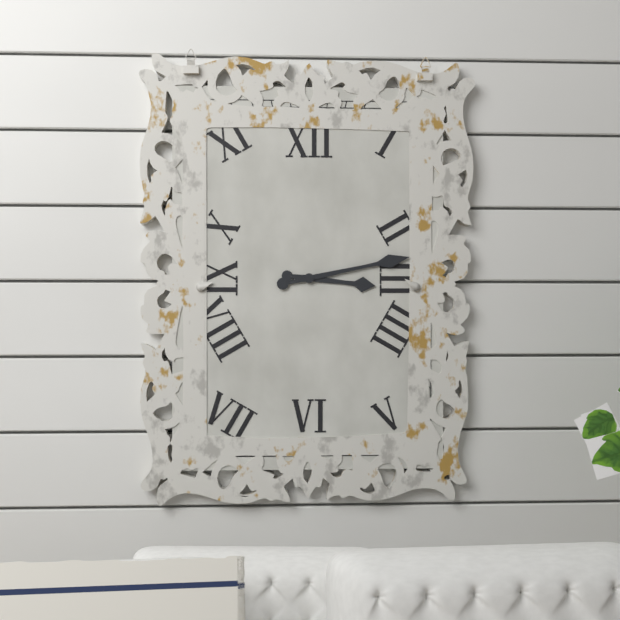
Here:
h=3 m=13
